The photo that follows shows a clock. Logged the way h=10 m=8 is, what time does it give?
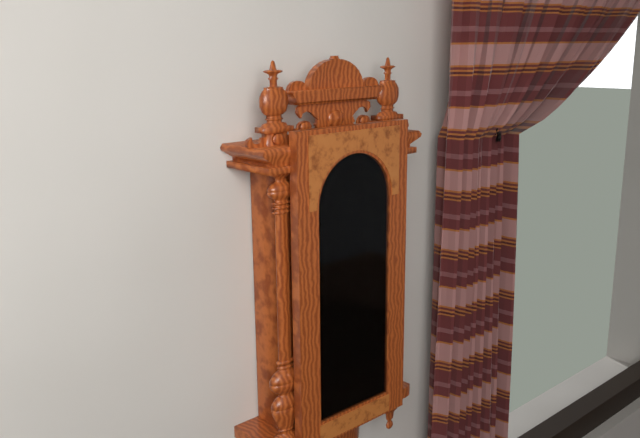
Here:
h=8 m=58
